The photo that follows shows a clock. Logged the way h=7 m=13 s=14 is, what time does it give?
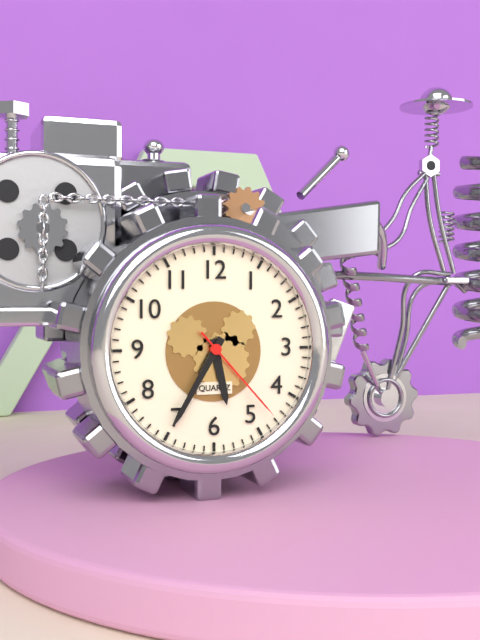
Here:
h=5 m=35 s=23
